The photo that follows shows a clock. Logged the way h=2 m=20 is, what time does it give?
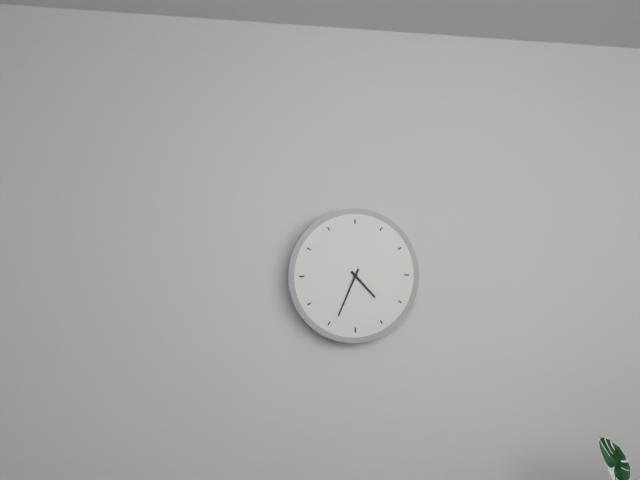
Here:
h=4 m=34
